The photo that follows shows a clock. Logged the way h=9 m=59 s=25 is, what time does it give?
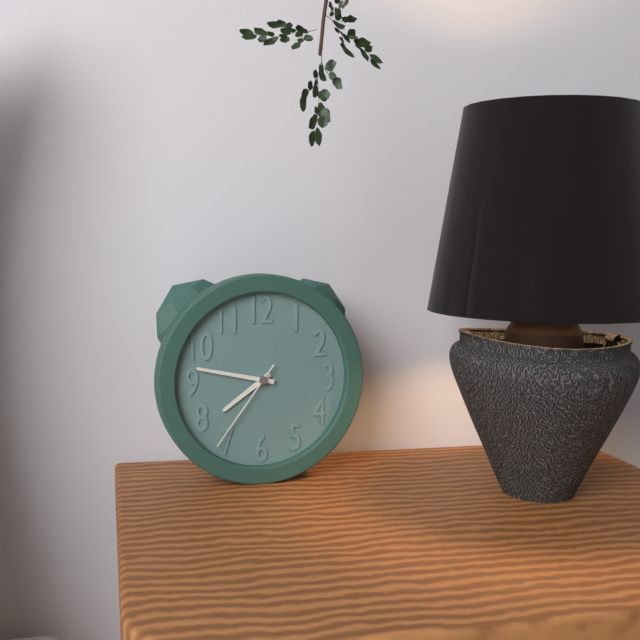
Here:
h=7 m=47 s=36
